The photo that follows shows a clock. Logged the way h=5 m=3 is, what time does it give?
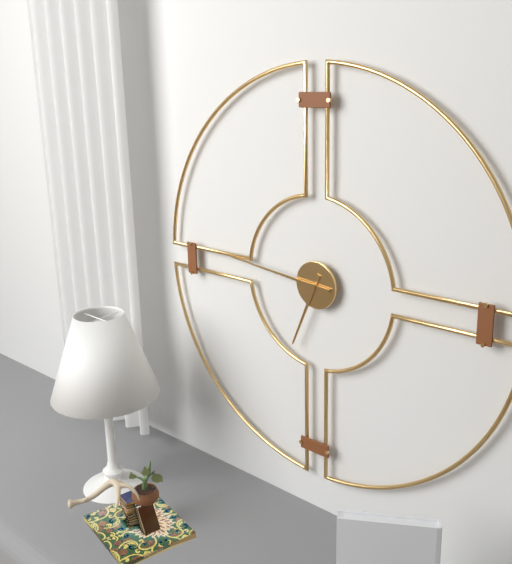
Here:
h=6 m=46
